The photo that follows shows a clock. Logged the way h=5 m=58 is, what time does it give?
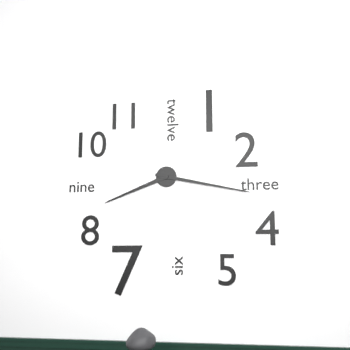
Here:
h=8 m=17
